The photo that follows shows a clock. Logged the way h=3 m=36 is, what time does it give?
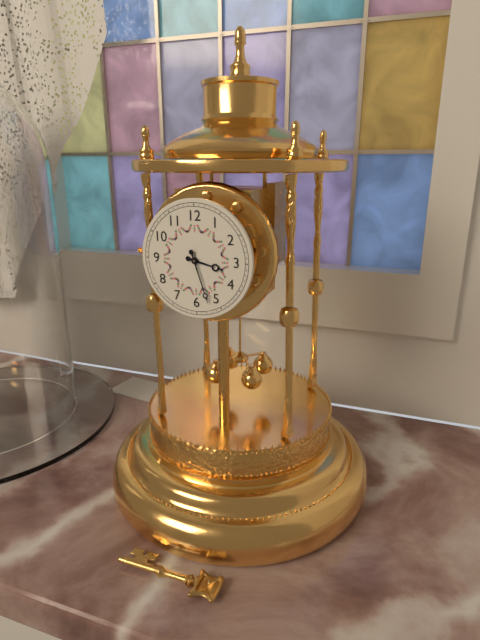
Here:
h=3 m=27
